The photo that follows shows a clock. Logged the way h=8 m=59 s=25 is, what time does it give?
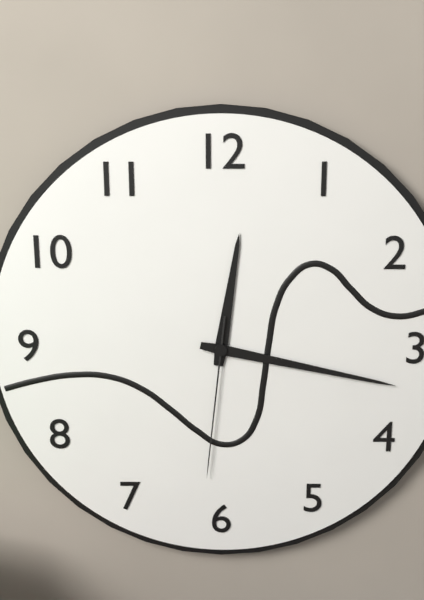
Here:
h=12 m=17 s=31
